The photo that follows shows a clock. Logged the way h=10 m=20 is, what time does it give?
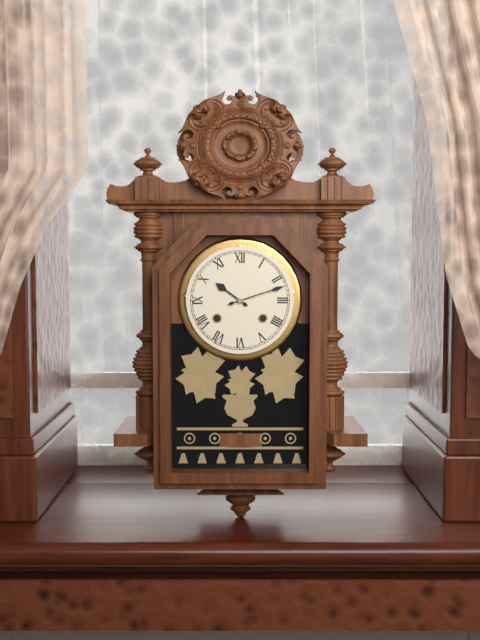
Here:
h=10 m=12
